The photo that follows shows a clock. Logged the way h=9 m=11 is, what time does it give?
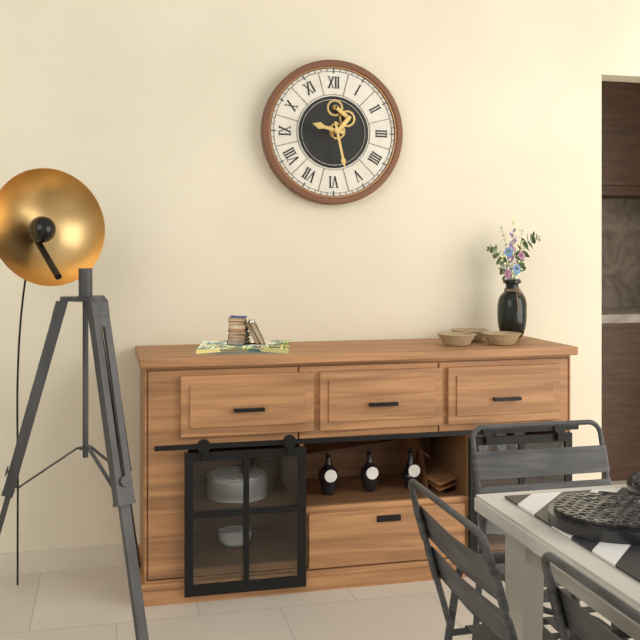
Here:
h=9 m=28
